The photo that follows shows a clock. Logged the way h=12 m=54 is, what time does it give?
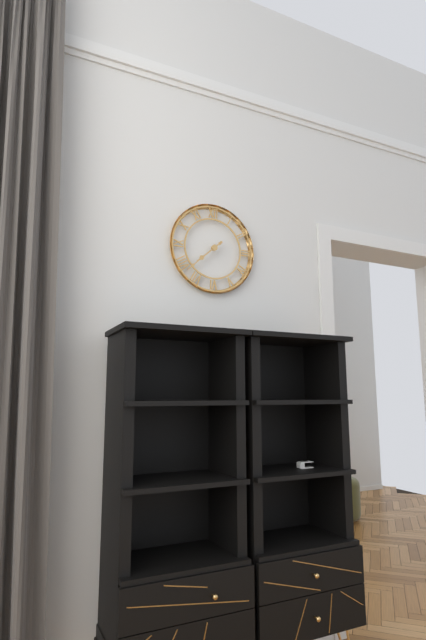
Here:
h=7 m=38
